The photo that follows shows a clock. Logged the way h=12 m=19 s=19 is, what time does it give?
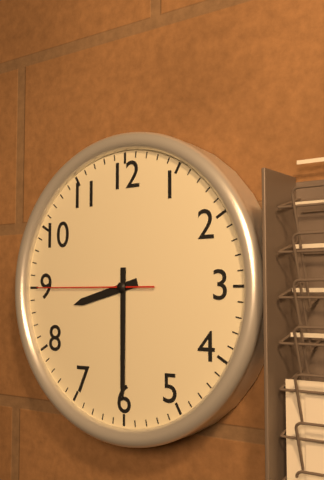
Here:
h=8 m=30 s=45
